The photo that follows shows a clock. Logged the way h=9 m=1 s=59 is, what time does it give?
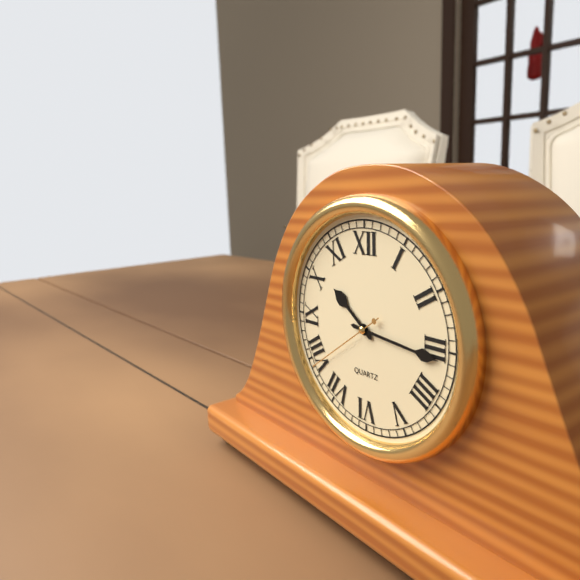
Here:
h=10 m=16 s=39
